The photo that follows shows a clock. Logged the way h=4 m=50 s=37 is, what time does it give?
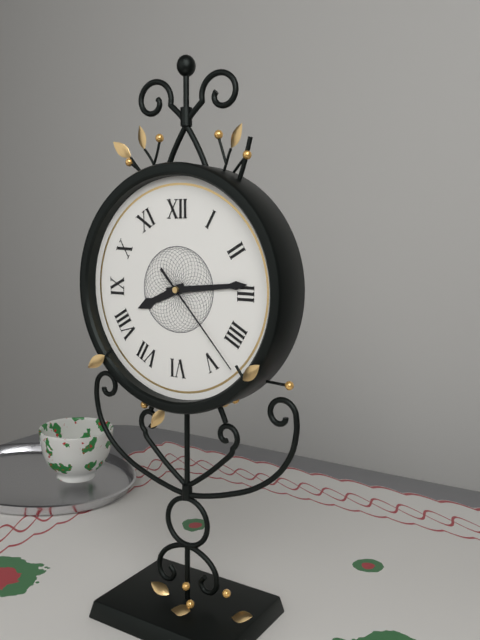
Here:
h=8 m=14 s=23
